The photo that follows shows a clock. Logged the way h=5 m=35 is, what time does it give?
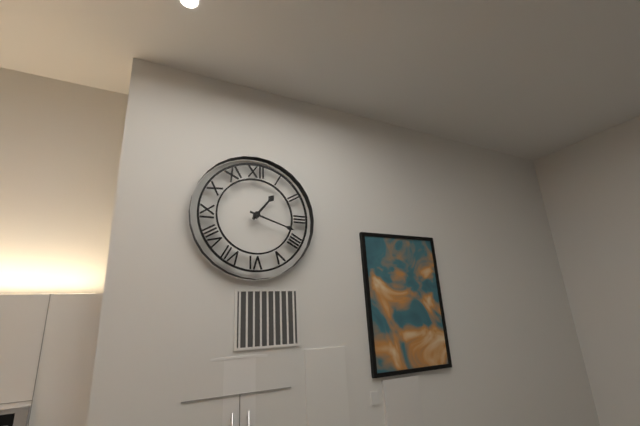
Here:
h=1 m=18
